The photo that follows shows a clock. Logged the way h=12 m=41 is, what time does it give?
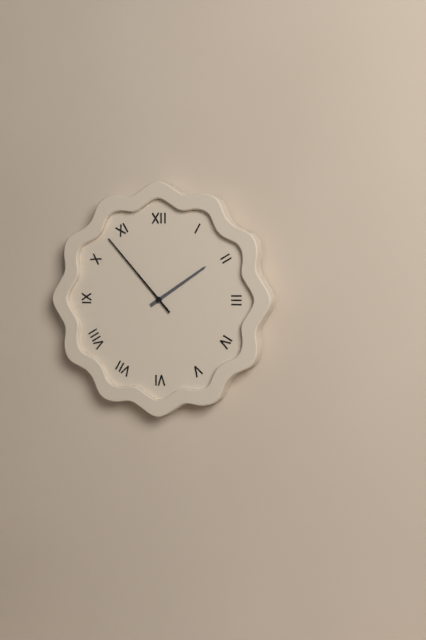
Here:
h=1 m=53
